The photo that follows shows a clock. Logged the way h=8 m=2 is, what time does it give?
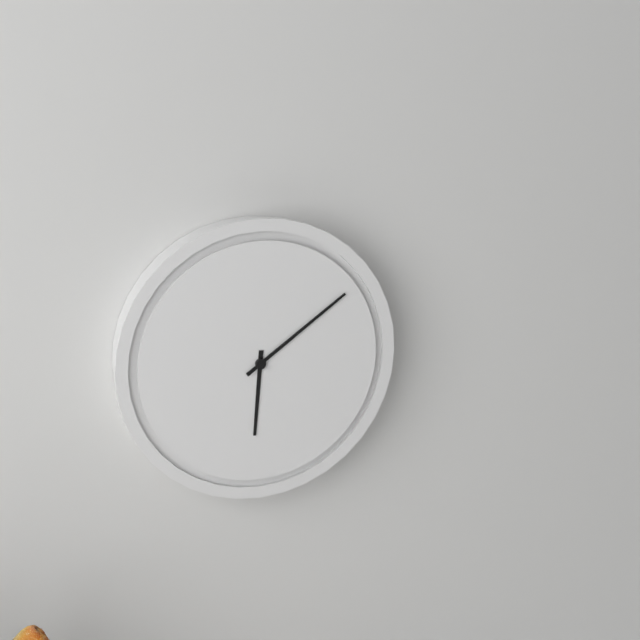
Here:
h=6 m=9
